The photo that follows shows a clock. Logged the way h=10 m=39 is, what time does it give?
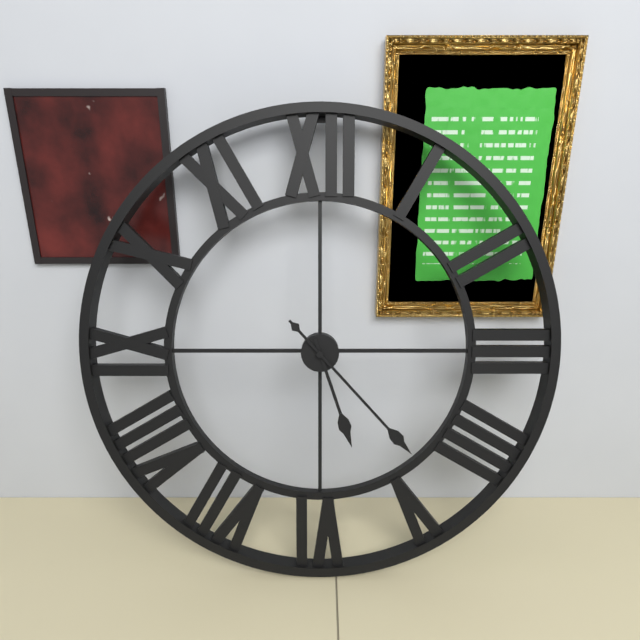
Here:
h=5 m=23
